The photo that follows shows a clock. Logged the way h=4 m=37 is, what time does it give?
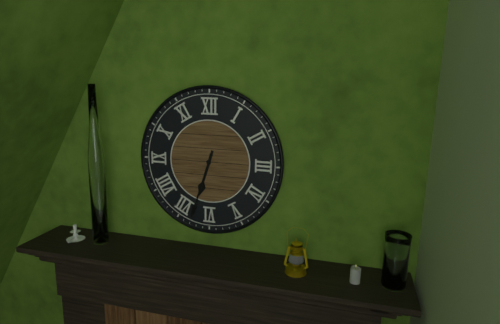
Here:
h=6 m=33
